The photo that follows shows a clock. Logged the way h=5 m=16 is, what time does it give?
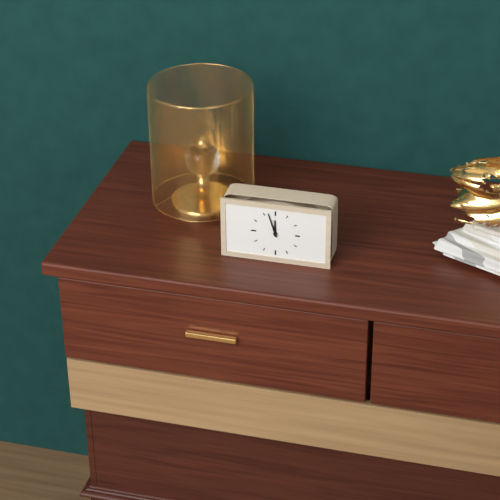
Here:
h=11 m=57
